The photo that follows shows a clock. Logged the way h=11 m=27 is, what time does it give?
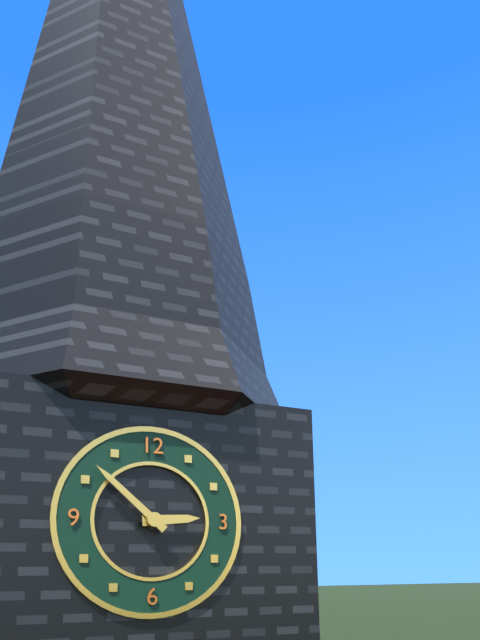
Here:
h=2 m=52
